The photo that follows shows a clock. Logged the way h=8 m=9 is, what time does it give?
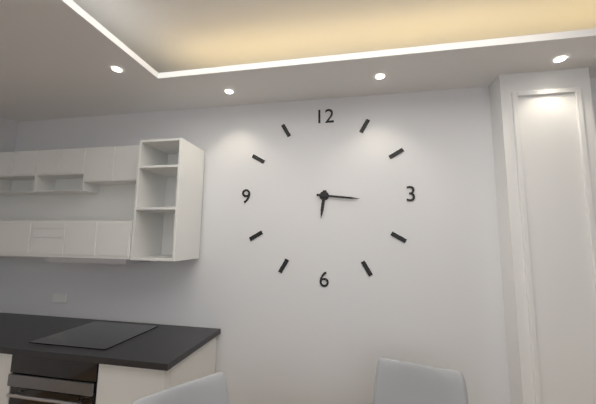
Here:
h=6 m=16
